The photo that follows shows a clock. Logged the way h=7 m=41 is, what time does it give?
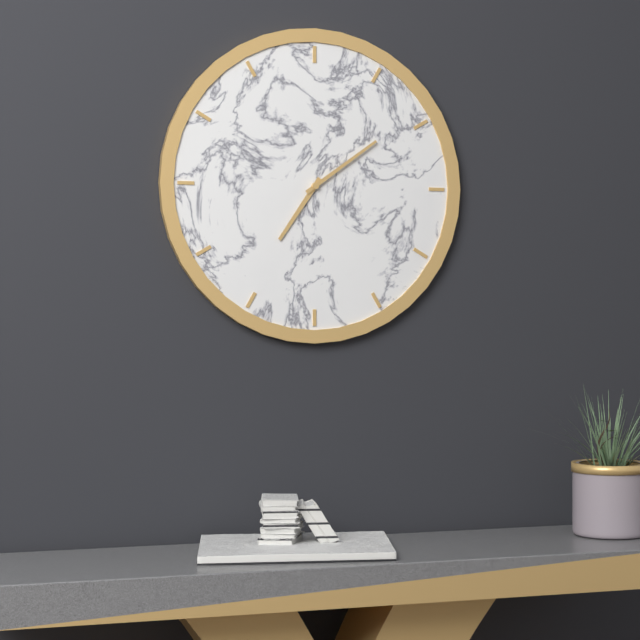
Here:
h=7 m=9
